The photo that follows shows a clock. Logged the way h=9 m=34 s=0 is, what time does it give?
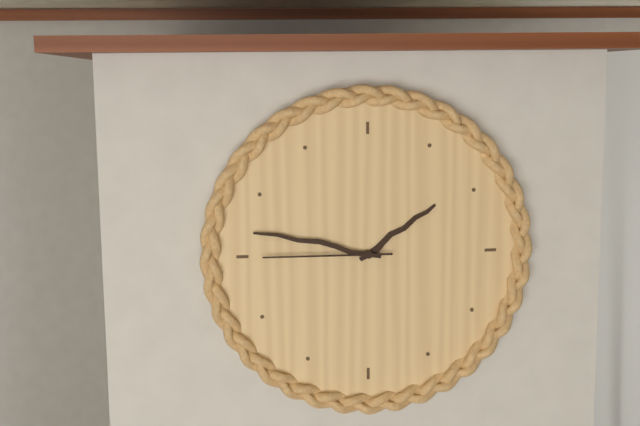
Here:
h=1 m=47 s=45
